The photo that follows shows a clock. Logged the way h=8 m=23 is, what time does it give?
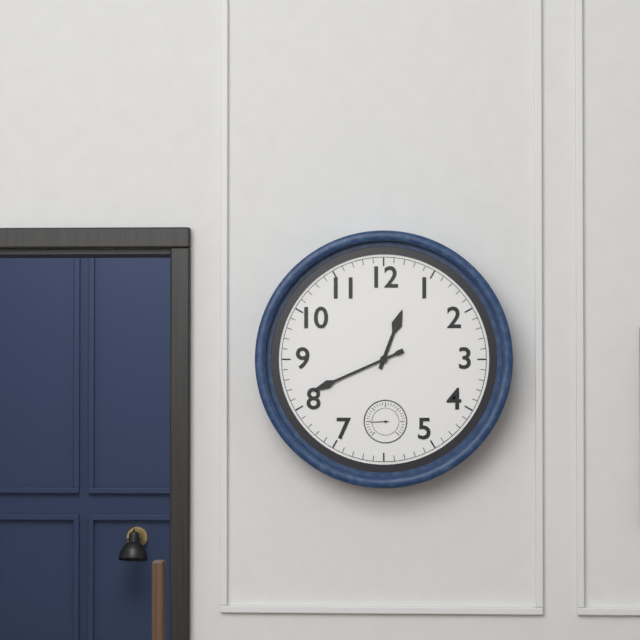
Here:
h=12 m=41
